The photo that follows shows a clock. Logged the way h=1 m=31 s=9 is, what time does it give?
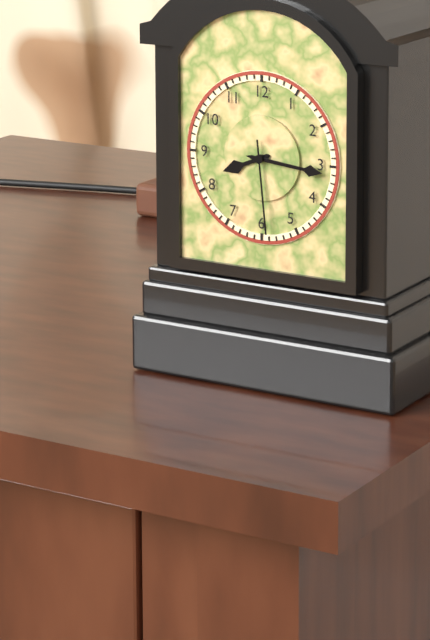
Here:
h=8 m=16 s=29
